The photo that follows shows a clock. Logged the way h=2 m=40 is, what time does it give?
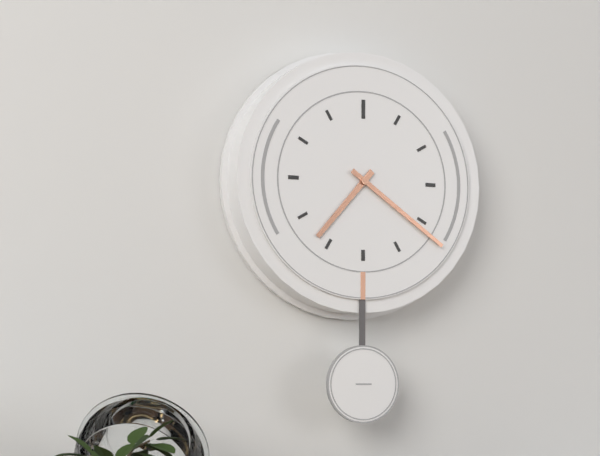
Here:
h=7 m=21
